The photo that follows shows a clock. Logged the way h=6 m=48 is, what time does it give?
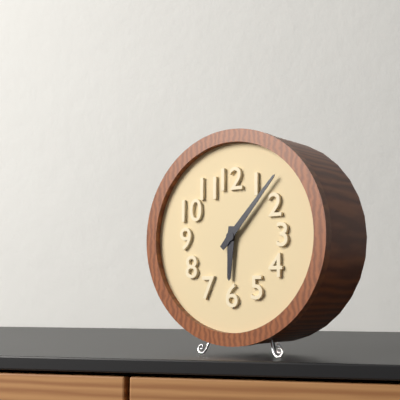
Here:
h=6 m=7
